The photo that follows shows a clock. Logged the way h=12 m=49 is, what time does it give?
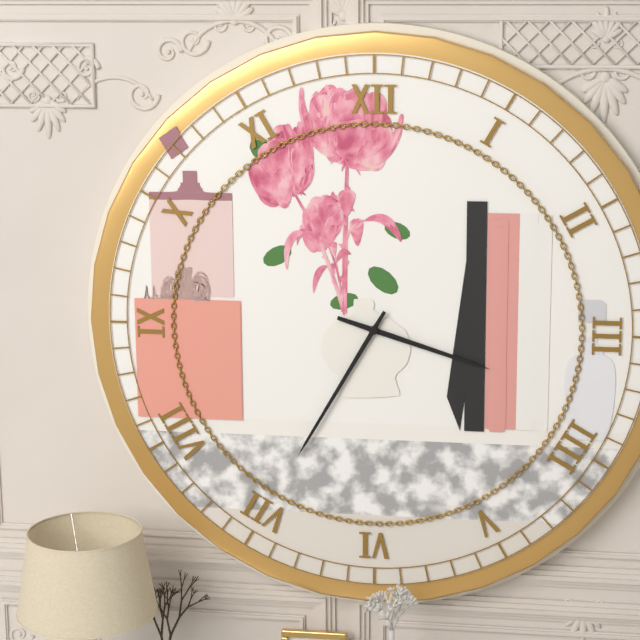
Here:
h=3 m=35
